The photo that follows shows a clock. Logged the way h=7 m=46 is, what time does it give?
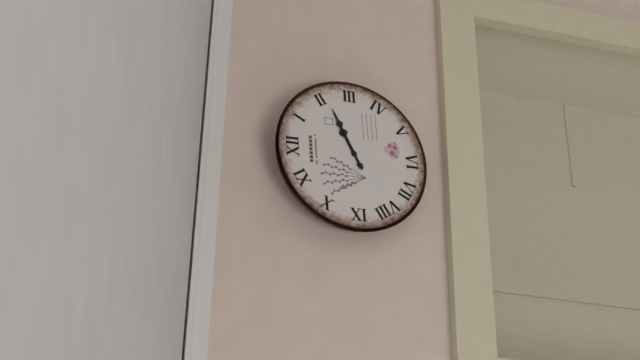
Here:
h=2 m=11
